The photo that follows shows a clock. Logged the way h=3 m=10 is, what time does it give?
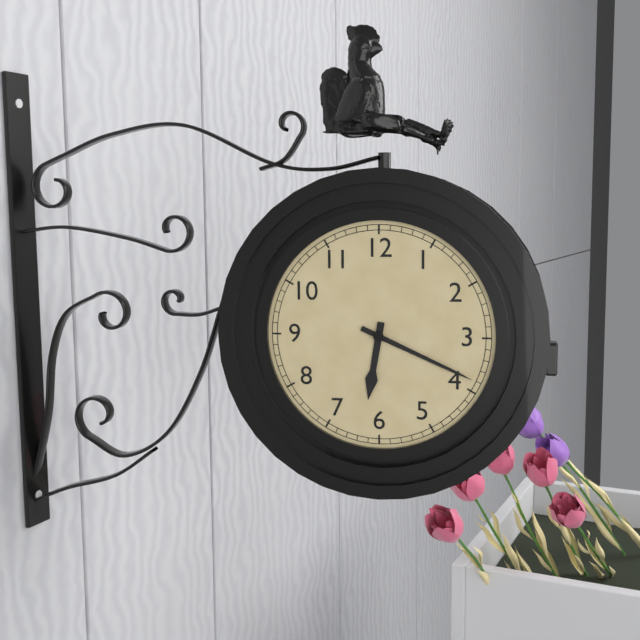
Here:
h=6 m=19
